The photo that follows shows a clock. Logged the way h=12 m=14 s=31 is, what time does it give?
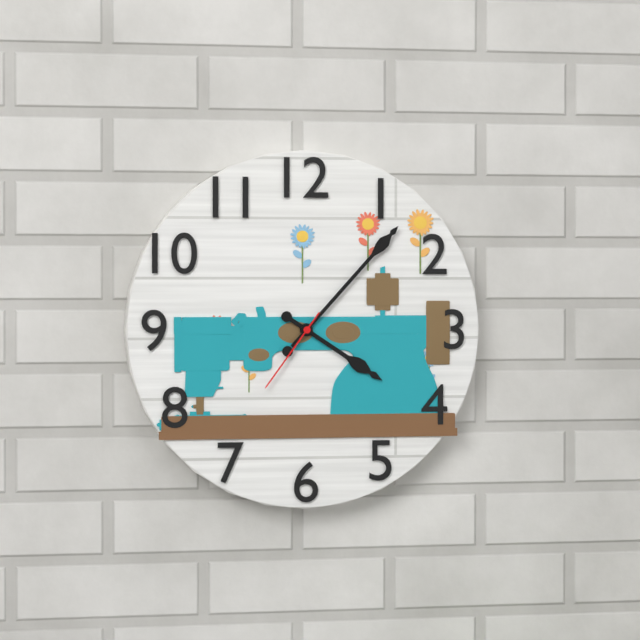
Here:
h=4 m=7 s=36
